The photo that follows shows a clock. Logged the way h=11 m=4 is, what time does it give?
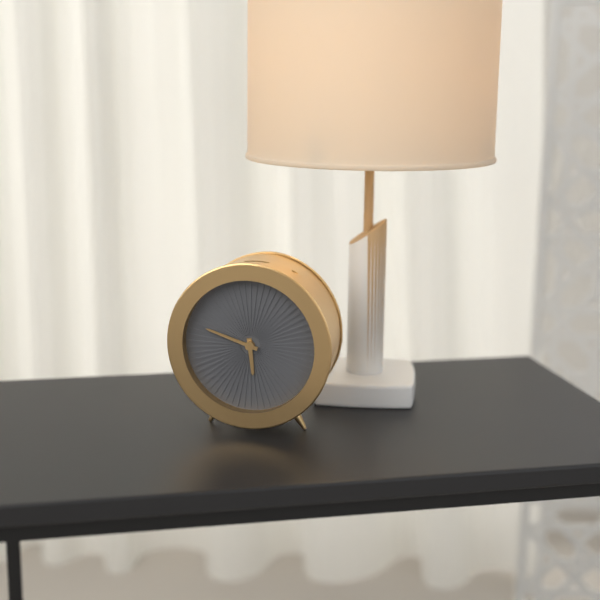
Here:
h=5 m=48
